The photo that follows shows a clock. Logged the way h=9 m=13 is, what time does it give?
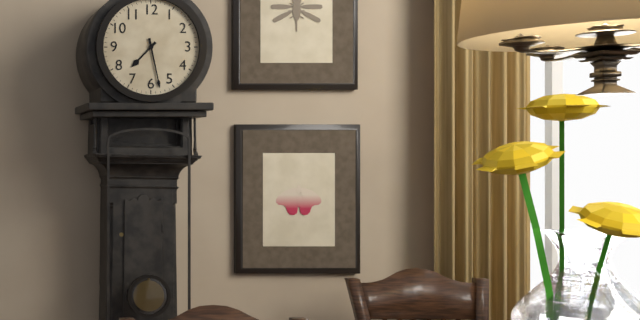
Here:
h=7 m=28
